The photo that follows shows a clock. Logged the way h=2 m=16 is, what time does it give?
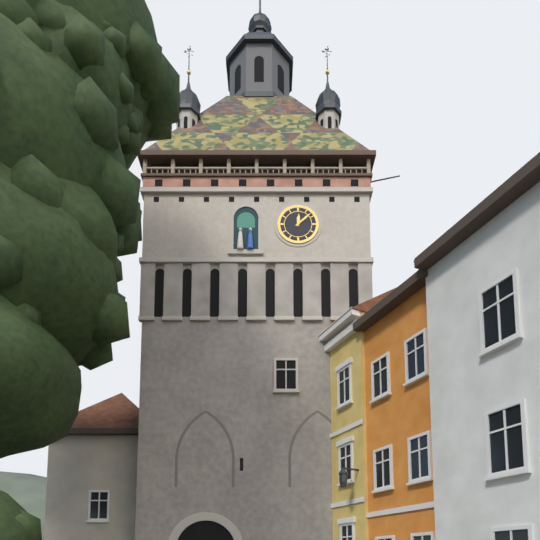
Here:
h=12 m=8
